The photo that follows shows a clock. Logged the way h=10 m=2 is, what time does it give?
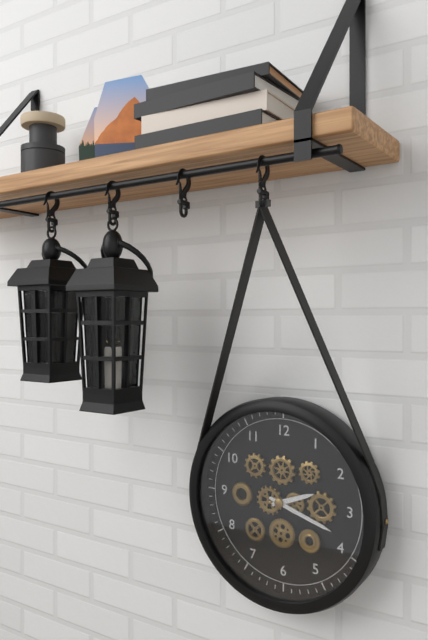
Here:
h=2 m=18
